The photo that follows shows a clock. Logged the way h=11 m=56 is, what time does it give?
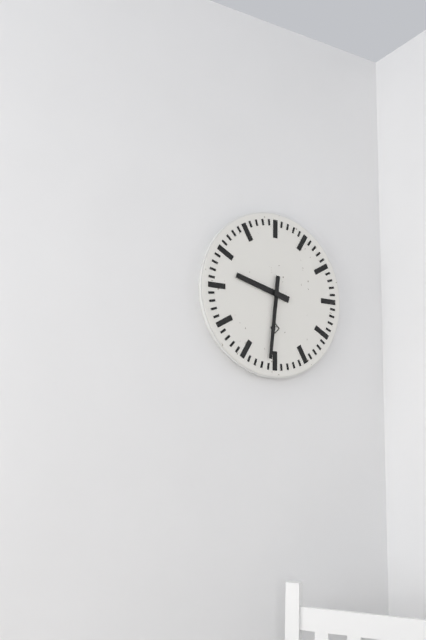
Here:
h=9 m=31
